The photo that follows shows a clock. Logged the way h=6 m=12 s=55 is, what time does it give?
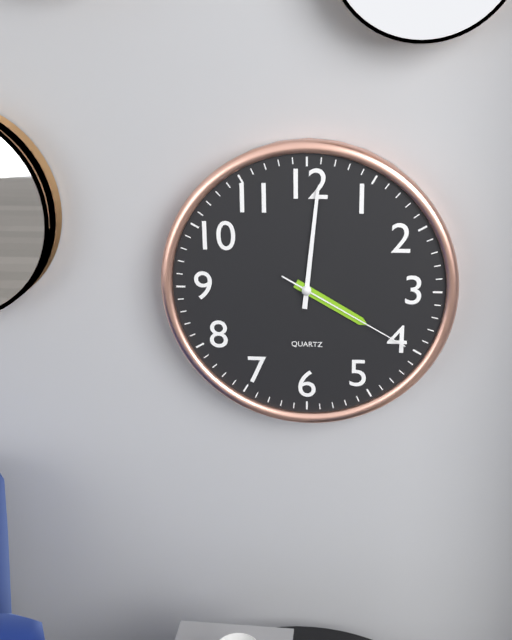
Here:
h=4 m=1 s=20
